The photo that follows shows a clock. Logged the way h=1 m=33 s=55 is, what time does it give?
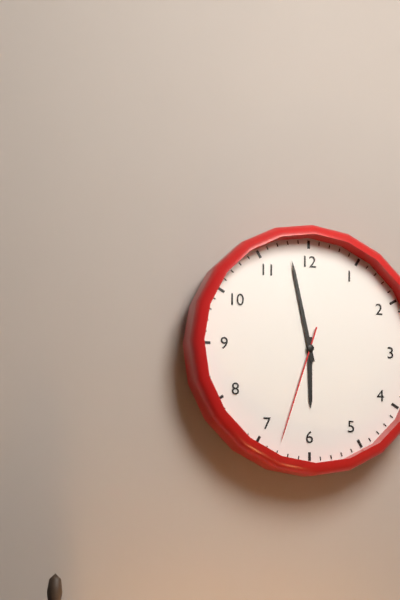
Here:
h=5 m=58 s=33
